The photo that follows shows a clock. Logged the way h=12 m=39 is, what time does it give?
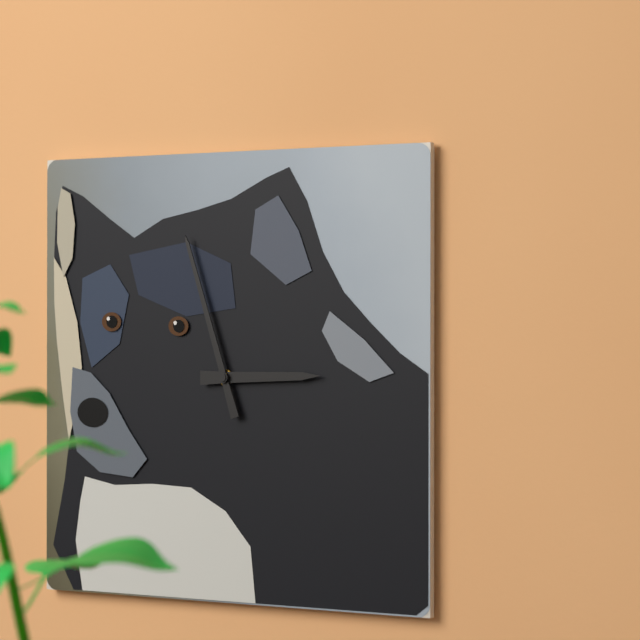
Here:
h=2 m=57
